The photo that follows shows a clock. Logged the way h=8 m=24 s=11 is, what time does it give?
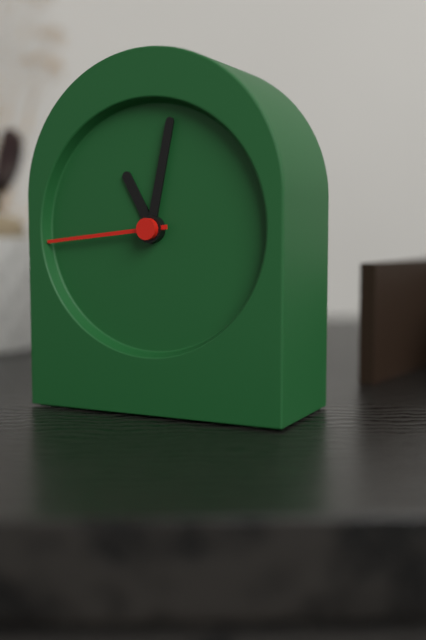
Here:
h=11 m=2 s=44
